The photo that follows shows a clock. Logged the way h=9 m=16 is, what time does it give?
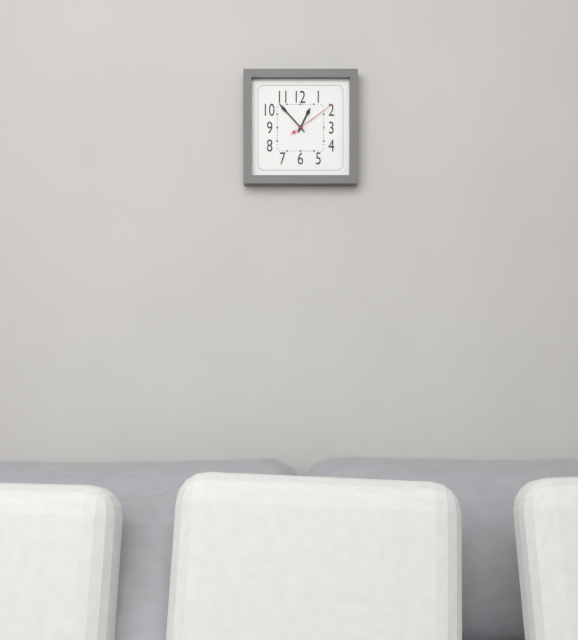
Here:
h=12 m=53
